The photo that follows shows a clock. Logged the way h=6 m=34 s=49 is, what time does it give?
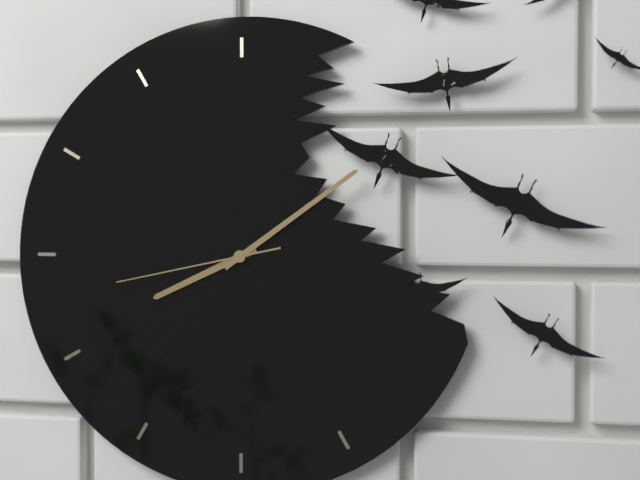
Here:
h=8 m=9 s=43
